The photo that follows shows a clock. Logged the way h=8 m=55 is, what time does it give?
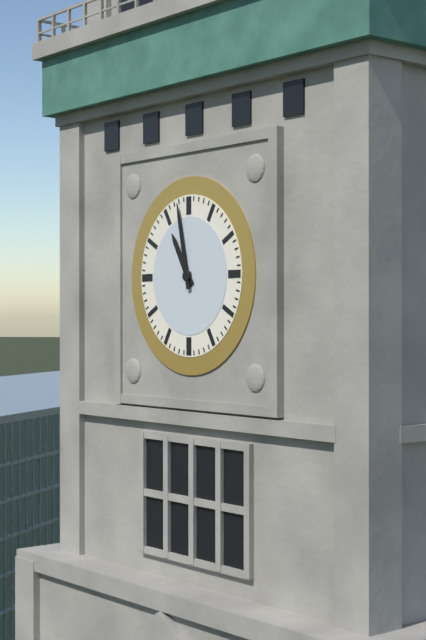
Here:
h=10 m=58
